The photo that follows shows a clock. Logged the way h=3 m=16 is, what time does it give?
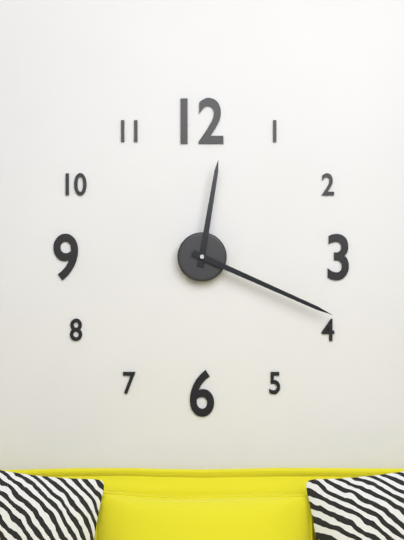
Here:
h=12 m=19
